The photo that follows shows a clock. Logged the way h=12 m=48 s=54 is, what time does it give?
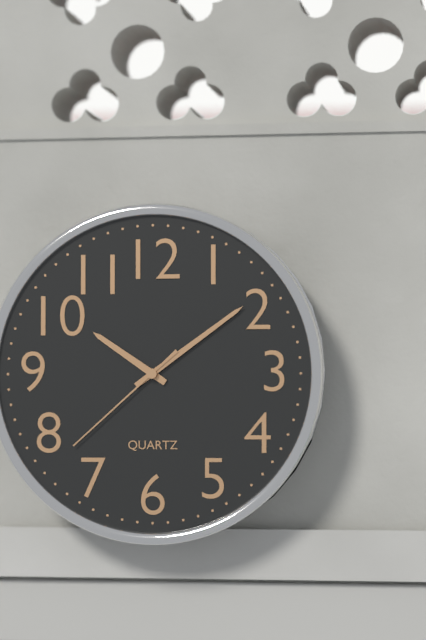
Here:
h=10 m=9 s=38
